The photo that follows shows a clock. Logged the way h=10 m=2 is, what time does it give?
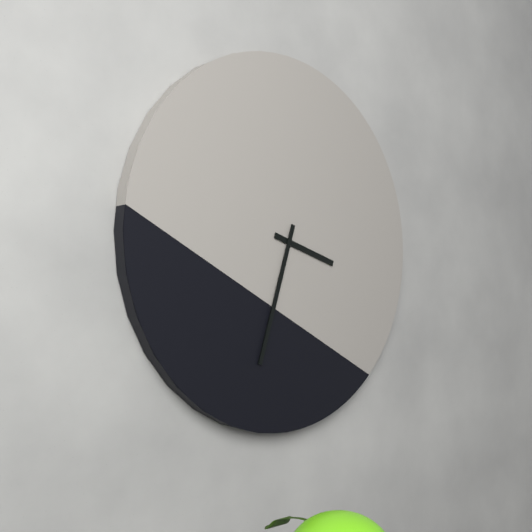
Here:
h=3 m=33
